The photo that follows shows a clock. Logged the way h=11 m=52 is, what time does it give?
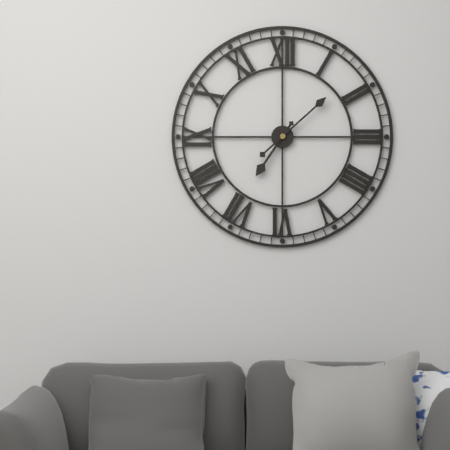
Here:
h=7 m=8
